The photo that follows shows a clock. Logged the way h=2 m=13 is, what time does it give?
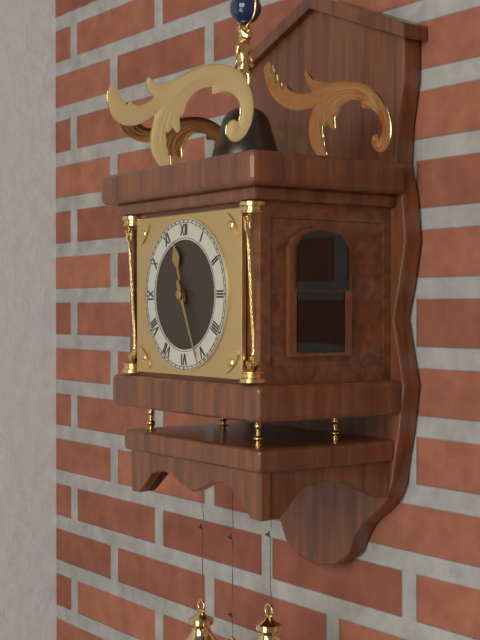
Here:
h=11 m=26
